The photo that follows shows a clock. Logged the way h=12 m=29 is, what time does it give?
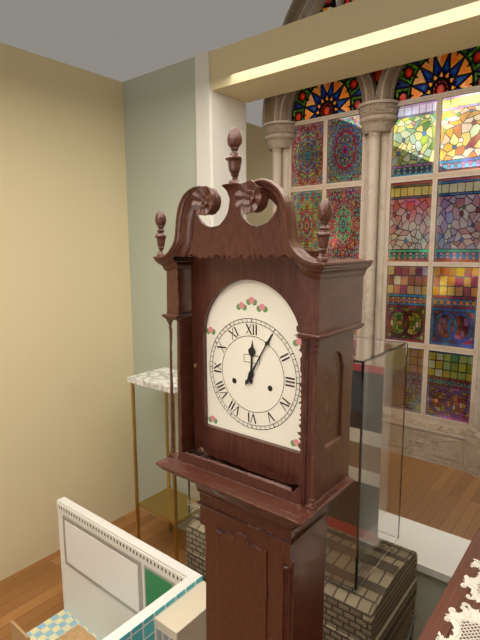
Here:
h=12 m=5
